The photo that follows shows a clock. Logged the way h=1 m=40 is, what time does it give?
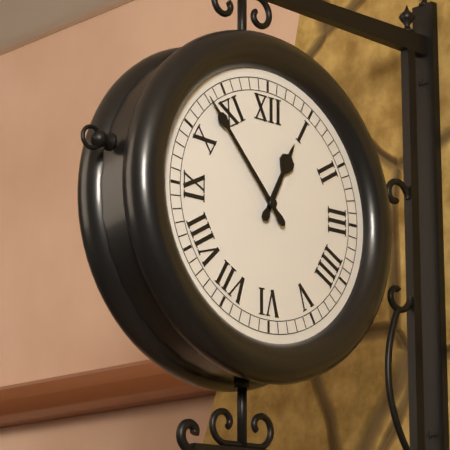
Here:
h=12 m=53
